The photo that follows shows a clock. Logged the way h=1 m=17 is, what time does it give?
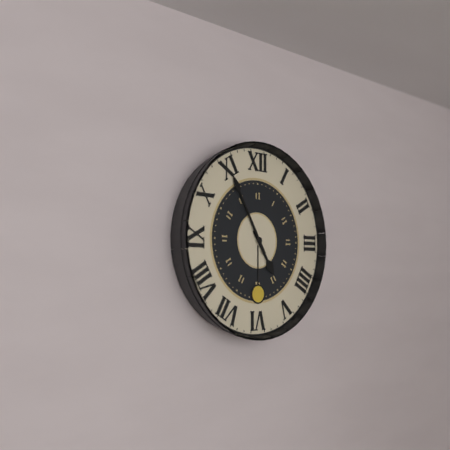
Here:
h=4 m=55
